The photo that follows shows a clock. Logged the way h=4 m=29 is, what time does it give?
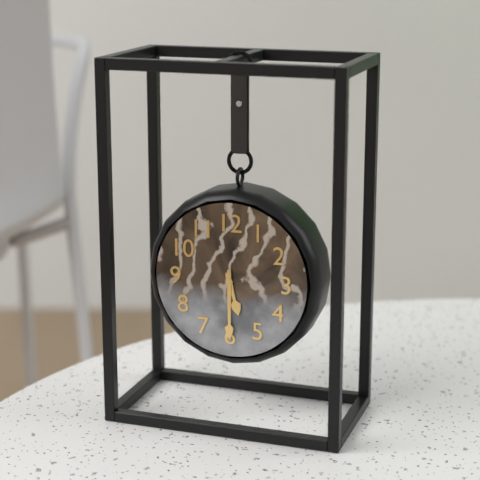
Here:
h=5 m=30
